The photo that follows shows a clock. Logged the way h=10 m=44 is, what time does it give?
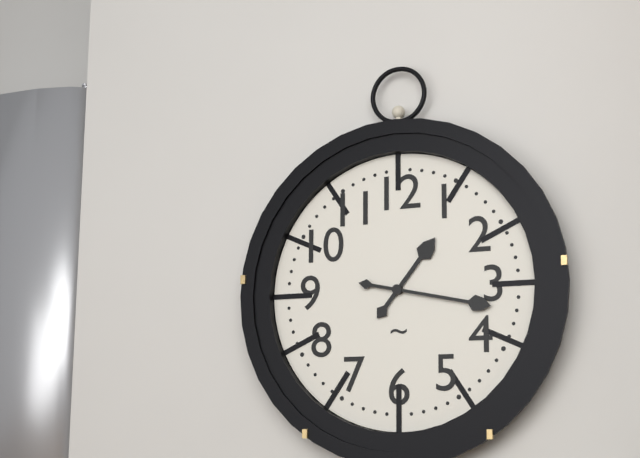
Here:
h=1 m=17
